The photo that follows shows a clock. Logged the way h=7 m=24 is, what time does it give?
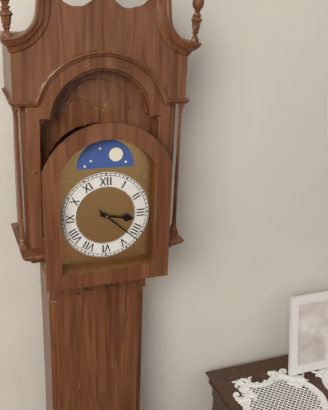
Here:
h=3 m=22
